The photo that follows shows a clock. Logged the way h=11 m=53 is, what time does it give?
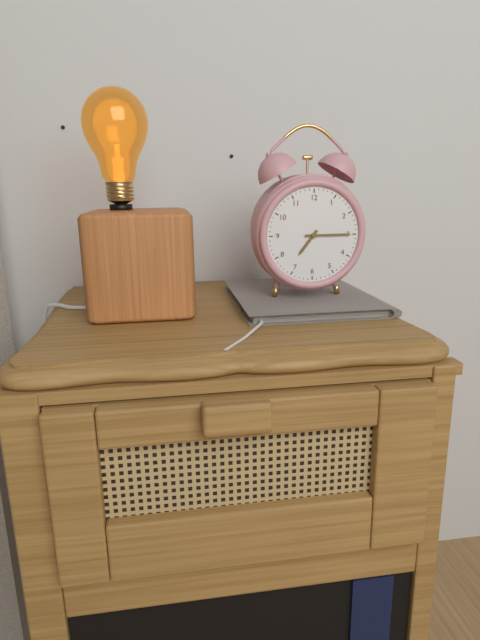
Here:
h=7 m=15
